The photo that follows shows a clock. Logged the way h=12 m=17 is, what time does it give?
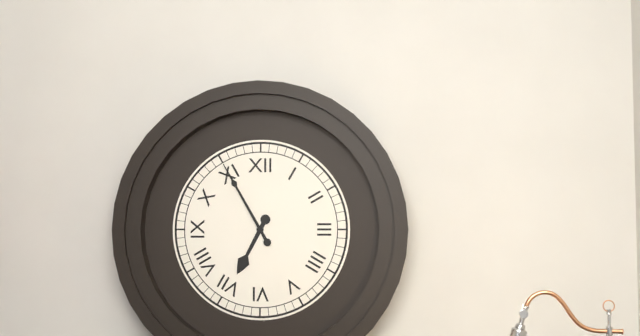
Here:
h=6 m=55
